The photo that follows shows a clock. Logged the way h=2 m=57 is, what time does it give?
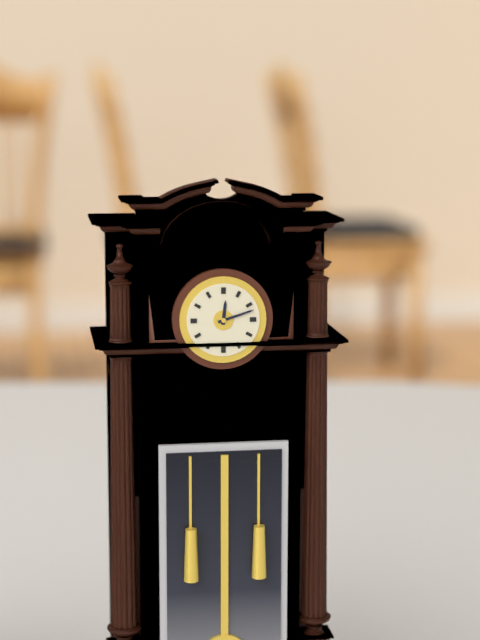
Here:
h=12 m=12
